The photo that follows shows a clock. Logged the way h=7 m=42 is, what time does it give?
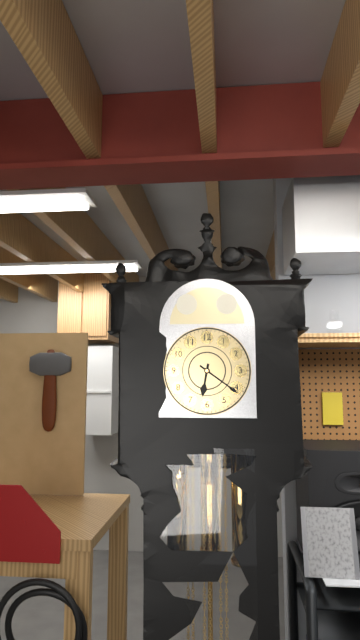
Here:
h=6 m=21
